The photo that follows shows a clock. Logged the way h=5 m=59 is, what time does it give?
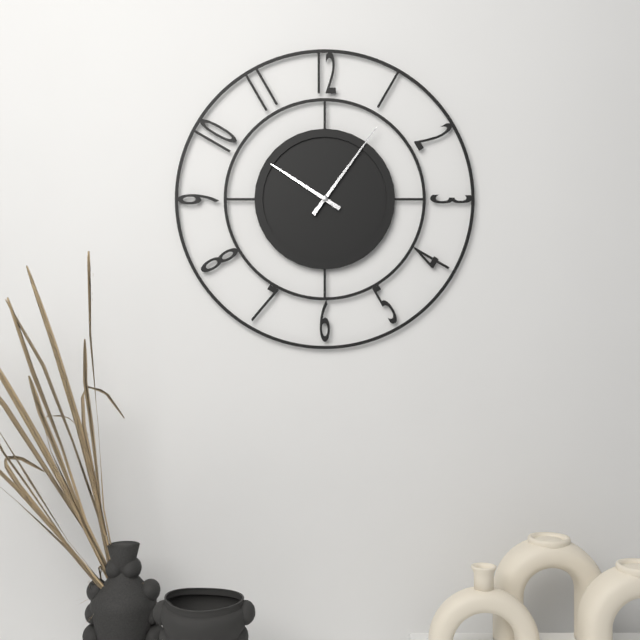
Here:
h=10 m=6
